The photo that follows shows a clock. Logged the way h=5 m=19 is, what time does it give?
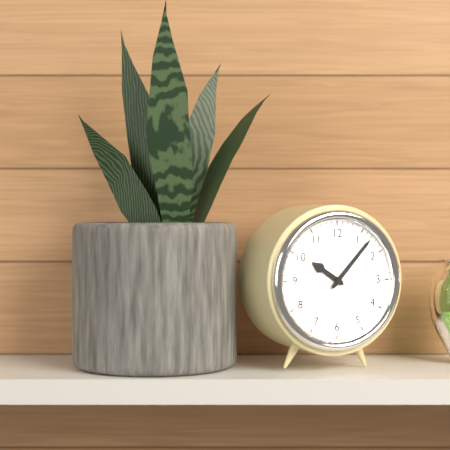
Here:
h=10 m=7
